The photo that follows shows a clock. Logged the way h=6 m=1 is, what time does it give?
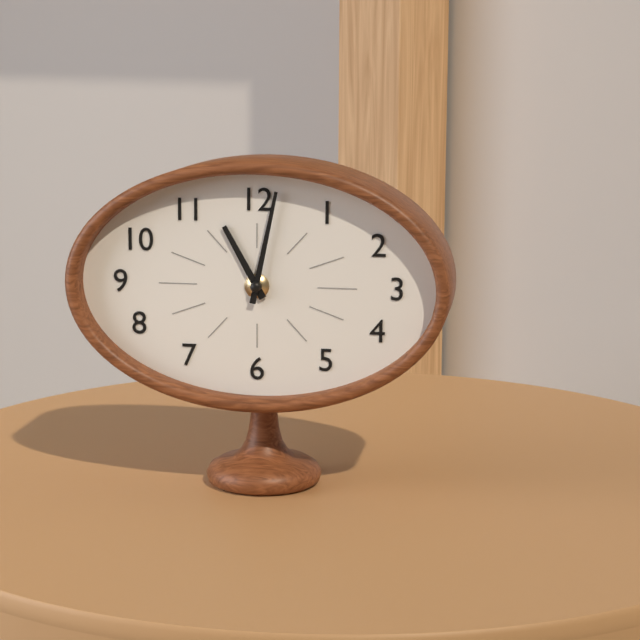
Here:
h=11 m=2
